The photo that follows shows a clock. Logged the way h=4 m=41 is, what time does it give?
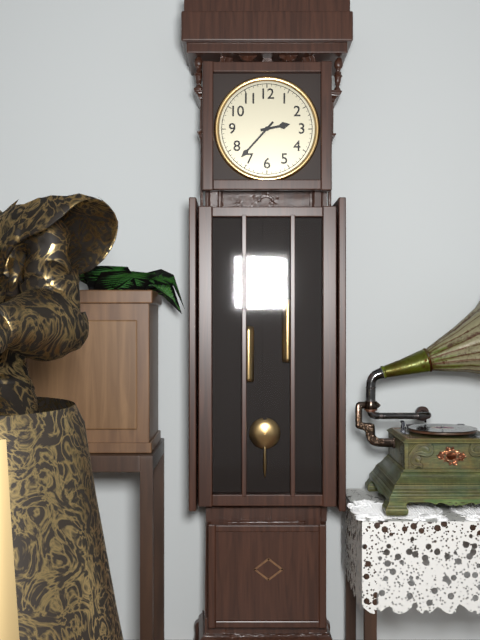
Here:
h=2 m=37
